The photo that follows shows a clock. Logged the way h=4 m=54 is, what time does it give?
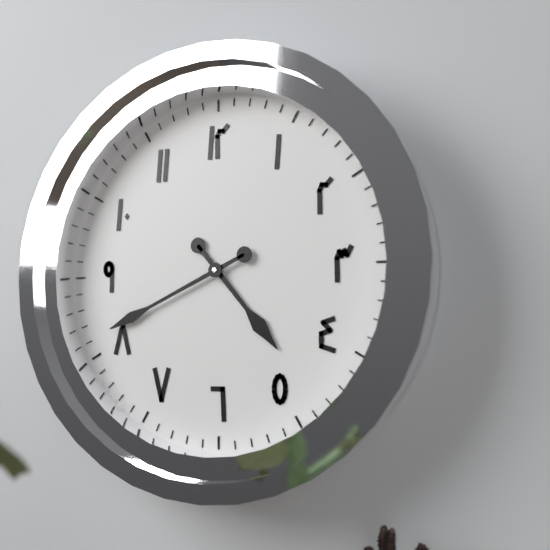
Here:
h=4 m=41
